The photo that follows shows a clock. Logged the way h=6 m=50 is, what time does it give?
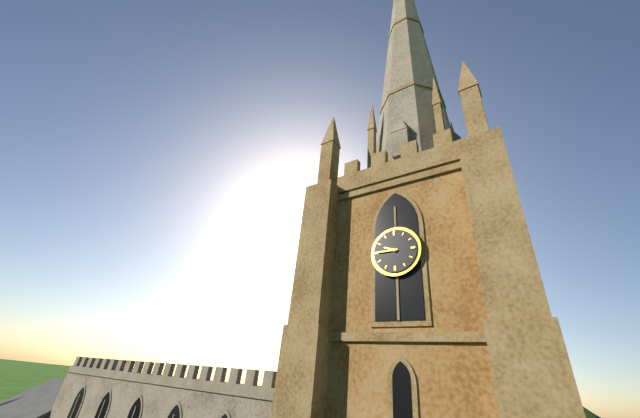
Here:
h=9 m=45
